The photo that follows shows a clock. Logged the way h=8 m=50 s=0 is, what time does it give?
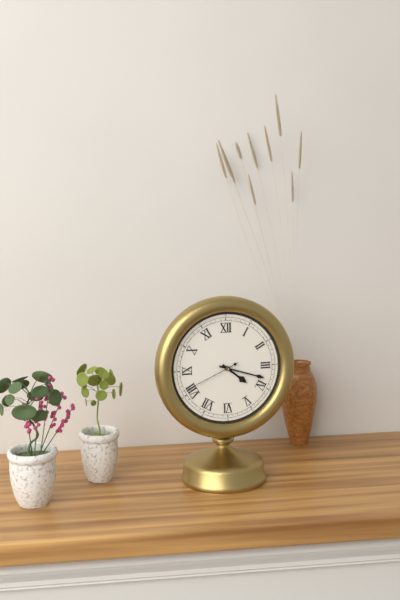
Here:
h=4 m=18 s=41
